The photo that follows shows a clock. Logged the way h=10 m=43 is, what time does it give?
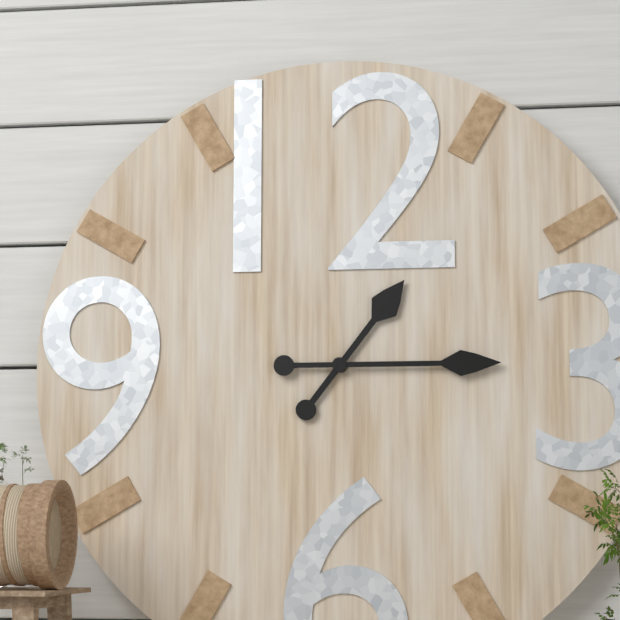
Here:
h=1 m=15
